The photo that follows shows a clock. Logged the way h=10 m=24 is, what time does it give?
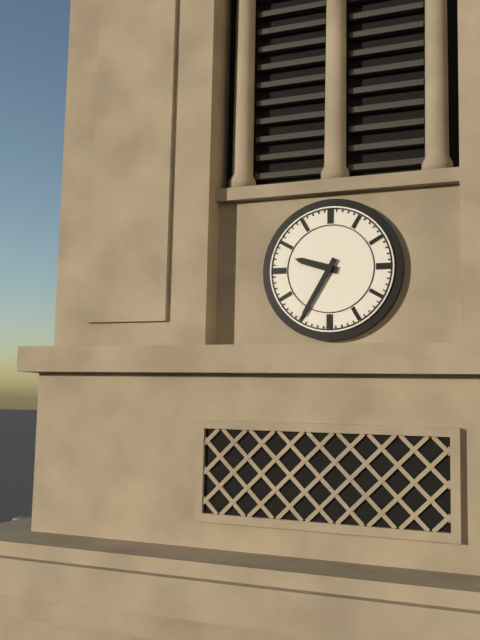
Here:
h=9 m=35
